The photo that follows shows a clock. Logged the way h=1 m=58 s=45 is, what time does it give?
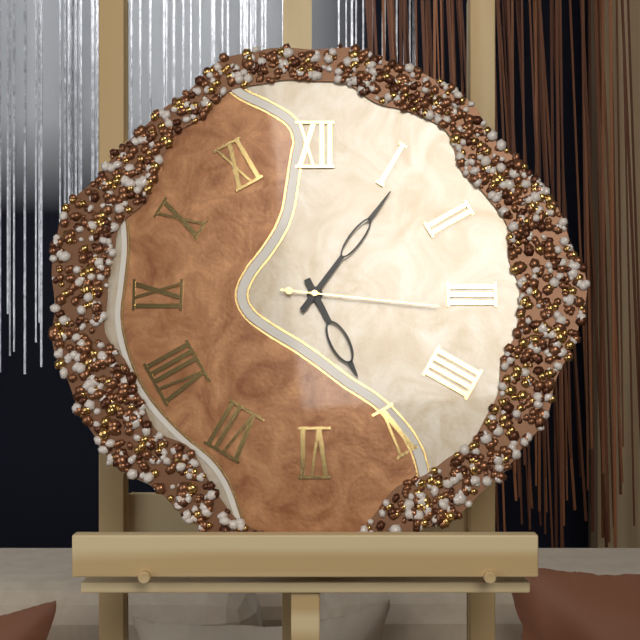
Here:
h=5 m=6 s=16
